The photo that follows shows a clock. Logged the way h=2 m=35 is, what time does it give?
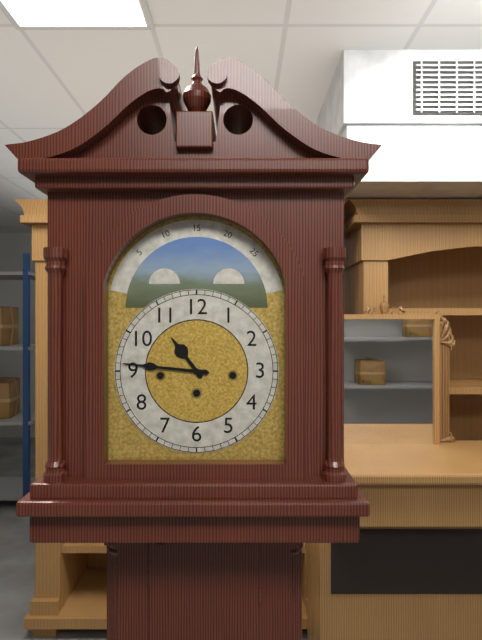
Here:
h=10 m=46
